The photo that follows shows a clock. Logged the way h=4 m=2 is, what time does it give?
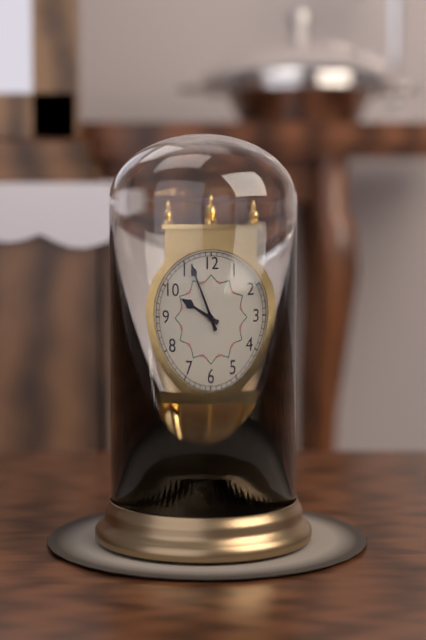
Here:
h=9 m=56
